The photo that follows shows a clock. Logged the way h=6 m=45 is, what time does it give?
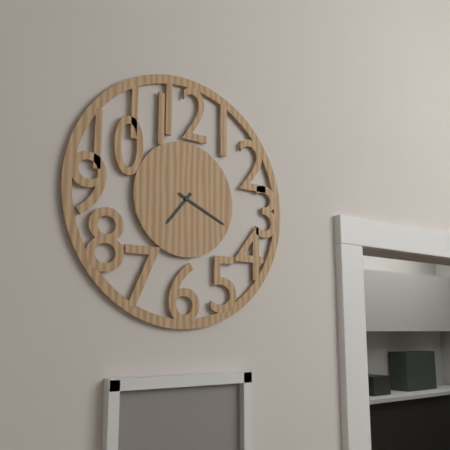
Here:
h=7 m=19
